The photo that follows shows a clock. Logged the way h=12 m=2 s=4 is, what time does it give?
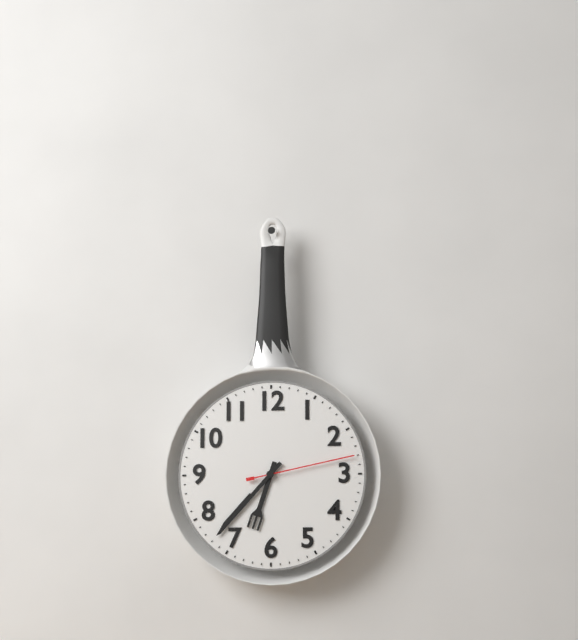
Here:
h=6 m=37 s=13
